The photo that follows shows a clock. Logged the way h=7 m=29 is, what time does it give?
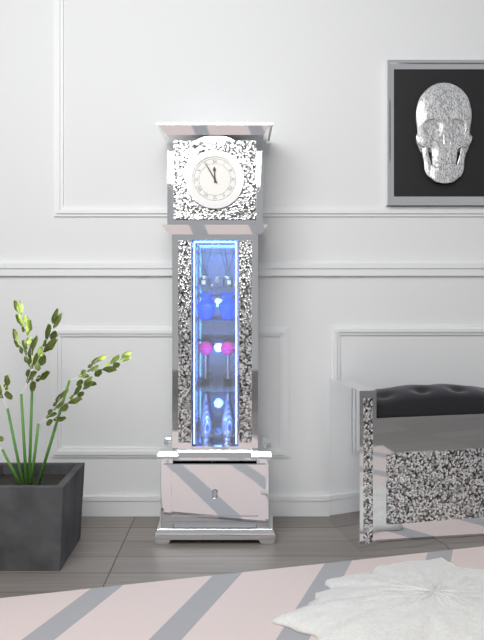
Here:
h=11 m=55
